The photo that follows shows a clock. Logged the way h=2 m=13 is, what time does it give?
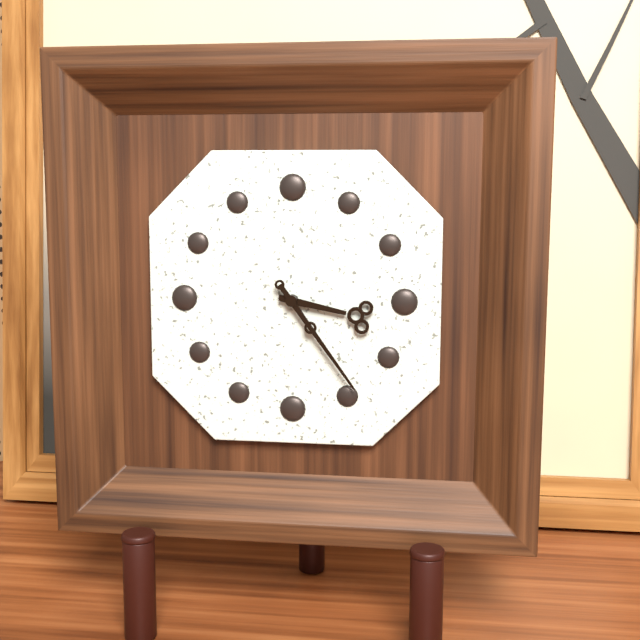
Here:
h=3 m=24
